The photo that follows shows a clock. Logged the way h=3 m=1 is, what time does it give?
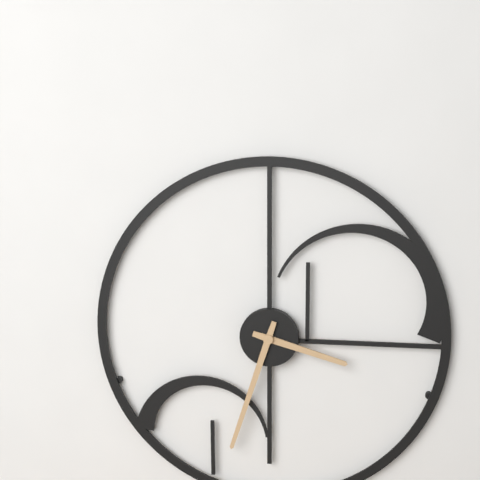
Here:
h=3 m=33
